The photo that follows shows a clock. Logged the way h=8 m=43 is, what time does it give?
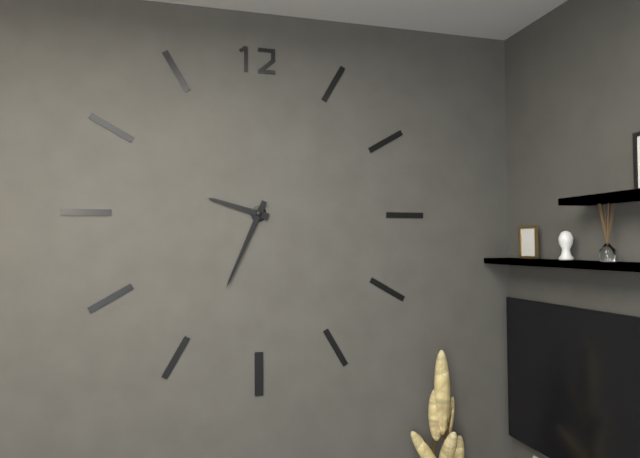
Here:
h=9 m=34
